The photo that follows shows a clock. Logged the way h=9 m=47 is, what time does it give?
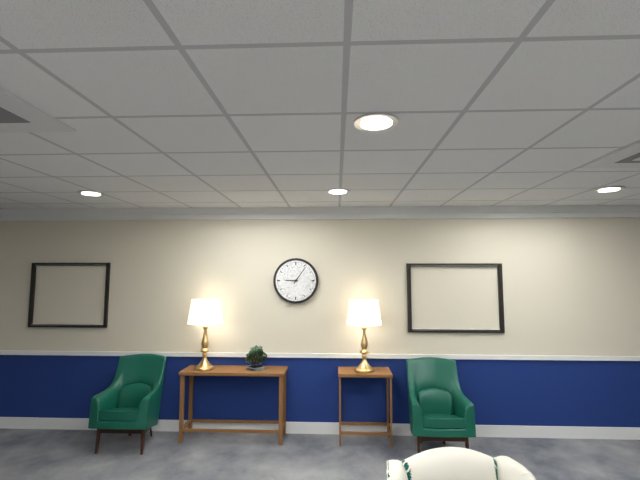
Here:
h=9 m=6
